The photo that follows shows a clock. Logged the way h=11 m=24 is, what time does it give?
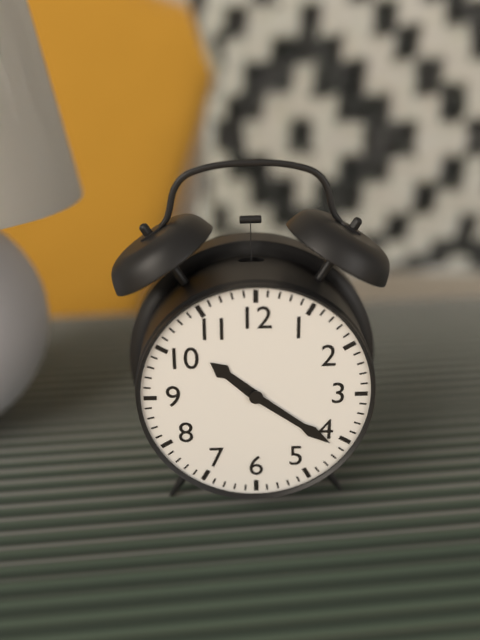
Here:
h=10 m=21
